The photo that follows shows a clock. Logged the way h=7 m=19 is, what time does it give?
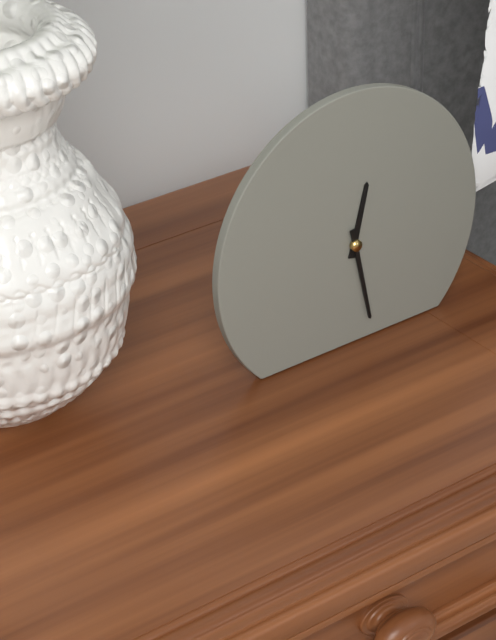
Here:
h=12 m=28
